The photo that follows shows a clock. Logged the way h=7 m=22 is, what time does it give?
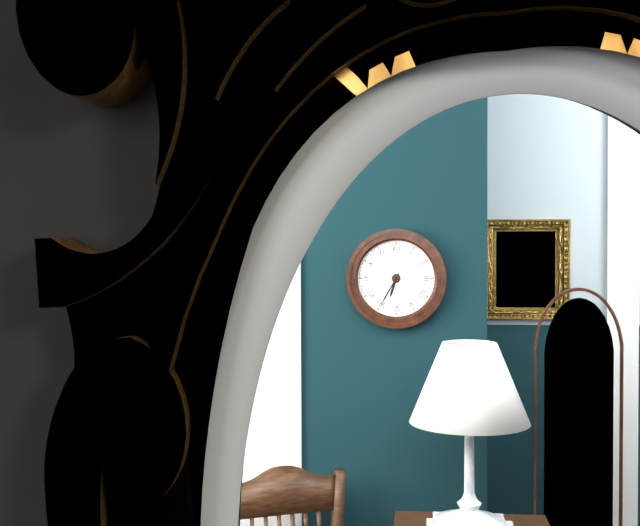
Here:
h=6 m=35
